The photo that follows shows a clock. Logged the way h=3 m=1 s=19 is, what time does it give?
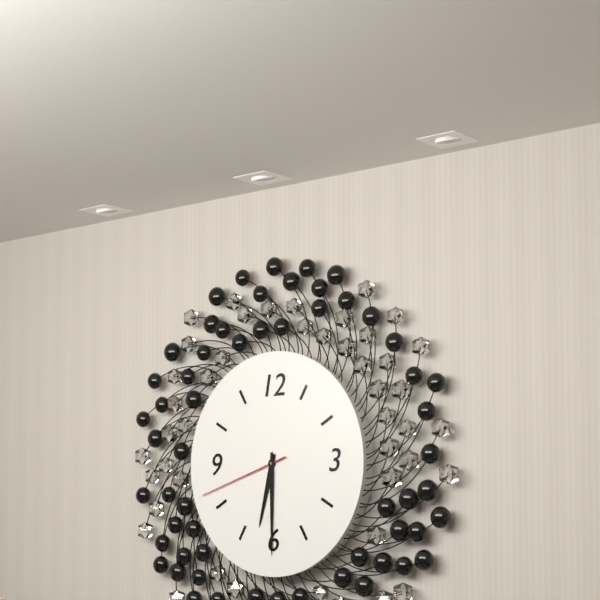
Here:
h=6 m=30 s=42
